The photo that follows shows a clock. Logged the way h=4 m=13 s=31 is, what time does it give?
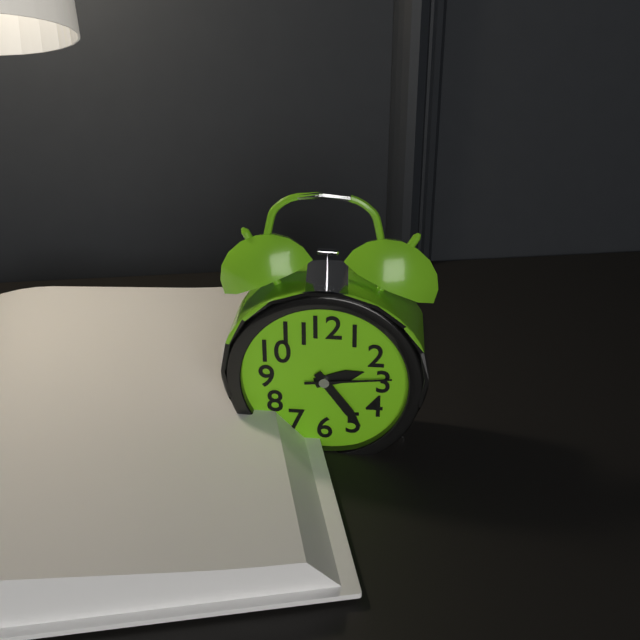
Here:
h=2 m=24 s=14
